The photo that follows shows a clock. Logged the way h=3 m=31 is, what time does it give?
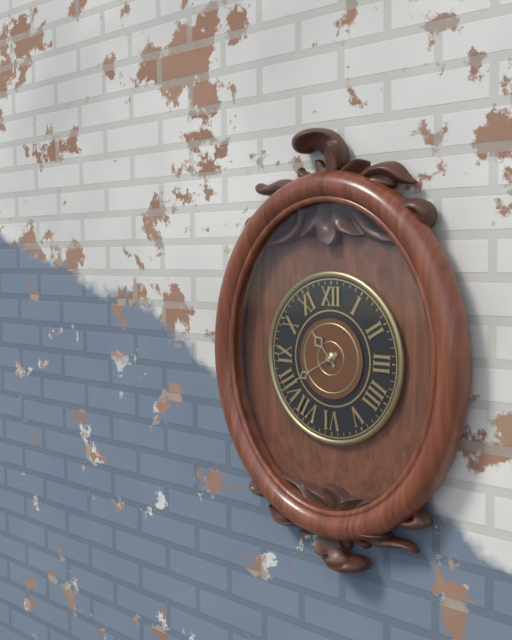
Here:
h=10 m=40
